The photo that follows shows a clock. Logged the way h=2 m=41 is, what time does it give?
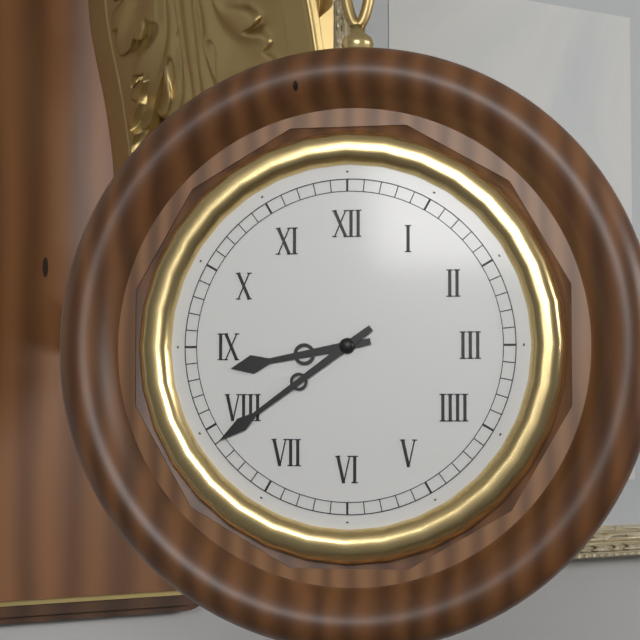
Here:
h=8 m=39
